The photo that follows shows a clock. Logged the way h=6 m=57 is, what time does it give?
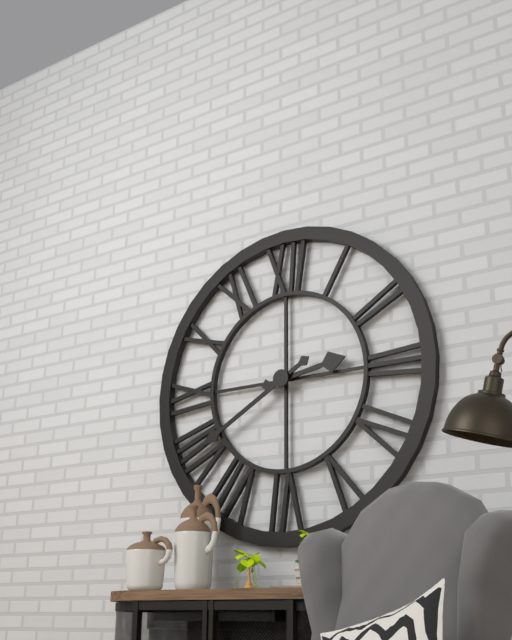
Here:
h=2 m=40
